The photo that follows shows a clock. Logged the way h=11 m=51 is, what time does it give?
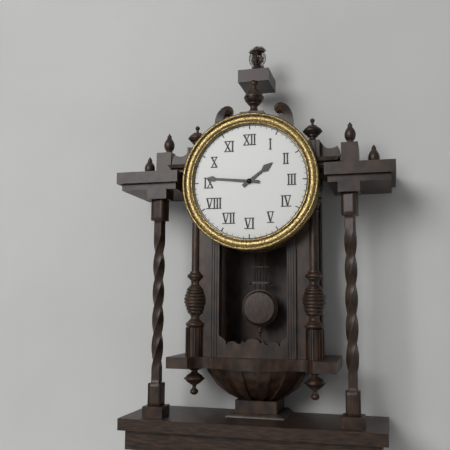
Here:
h=1 m=46
